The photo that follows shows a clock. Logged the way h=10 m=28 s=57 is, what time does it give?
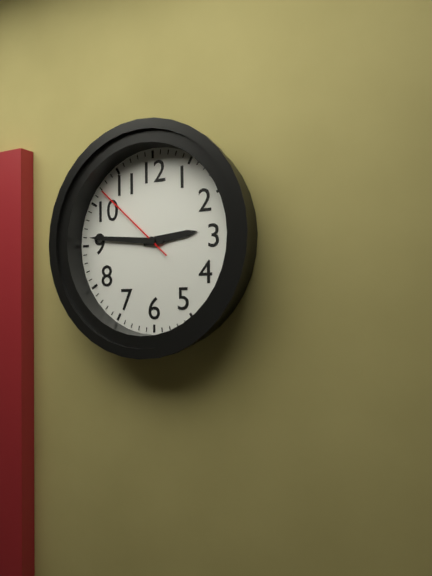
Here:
h=2 m=46 s=52
